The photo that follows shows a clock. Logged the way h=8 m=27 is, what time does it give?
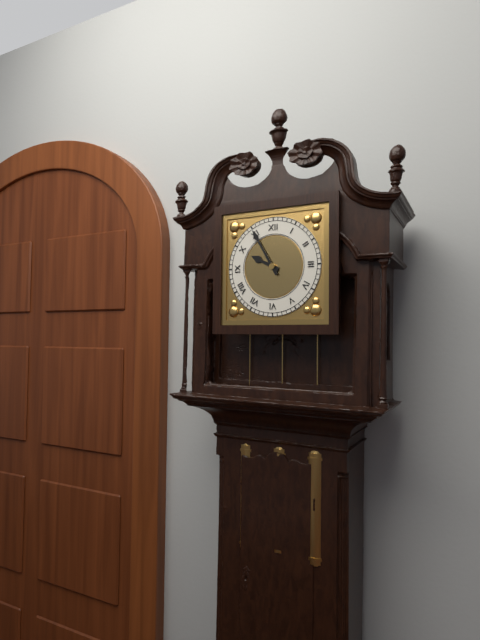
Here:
h=9 m=55
